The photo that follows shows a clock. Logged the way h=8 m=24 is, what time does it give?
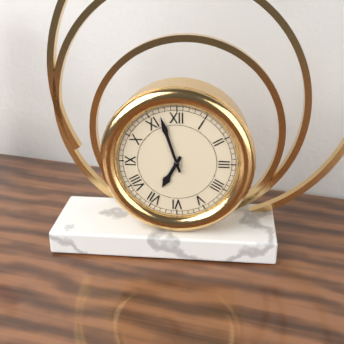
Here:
h=6 m=57
